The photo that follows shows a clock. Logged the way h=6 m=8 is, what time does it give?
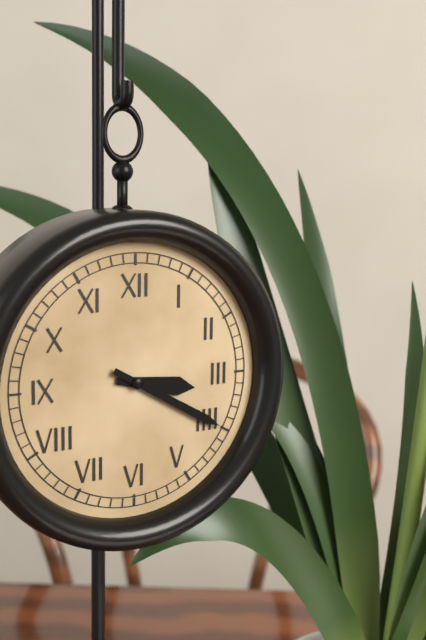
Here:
h=3 m=20
